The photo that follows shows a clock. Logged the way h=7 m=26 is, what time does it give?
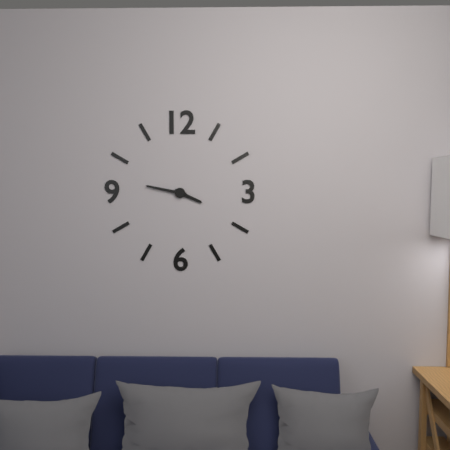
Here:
h=3 m=47
